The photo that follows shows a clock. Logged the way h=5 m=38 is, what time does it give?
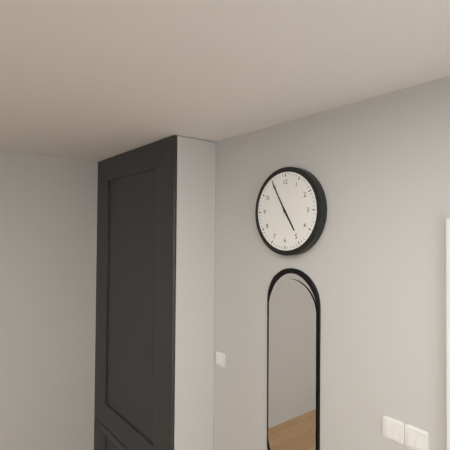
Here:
h=4 m=55
